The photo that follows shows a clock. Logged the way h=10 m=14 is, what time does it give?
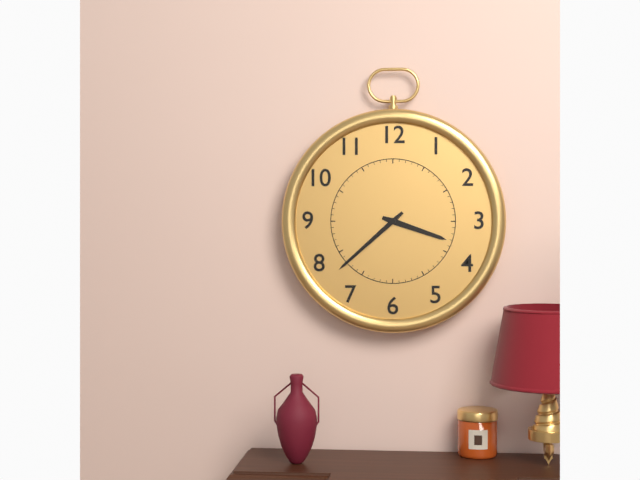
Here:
h=3 m=38
